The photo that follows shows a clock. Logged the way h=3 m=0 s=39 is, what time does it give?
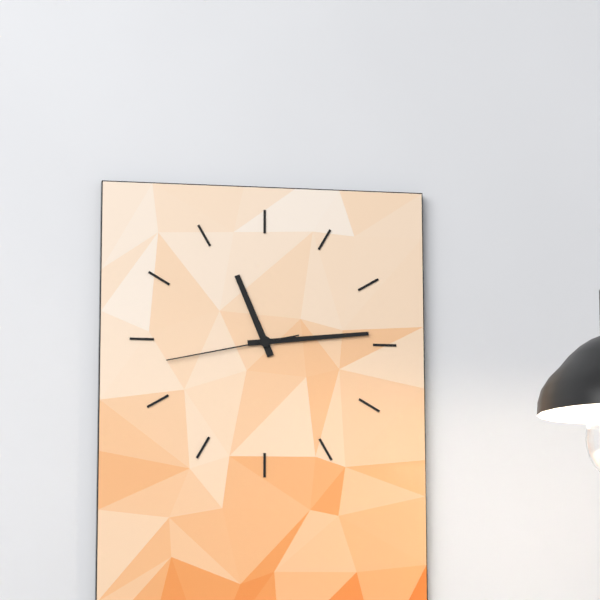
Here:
h=11 m=14 s=43
